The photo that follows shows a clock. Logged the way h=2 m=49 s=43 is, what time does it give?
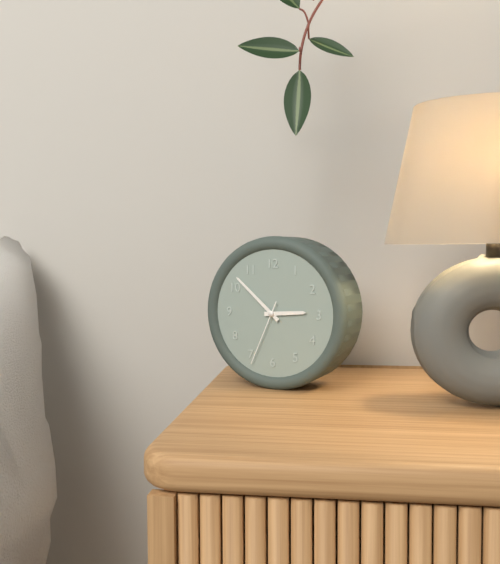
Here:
h=2 m=52 s=34
